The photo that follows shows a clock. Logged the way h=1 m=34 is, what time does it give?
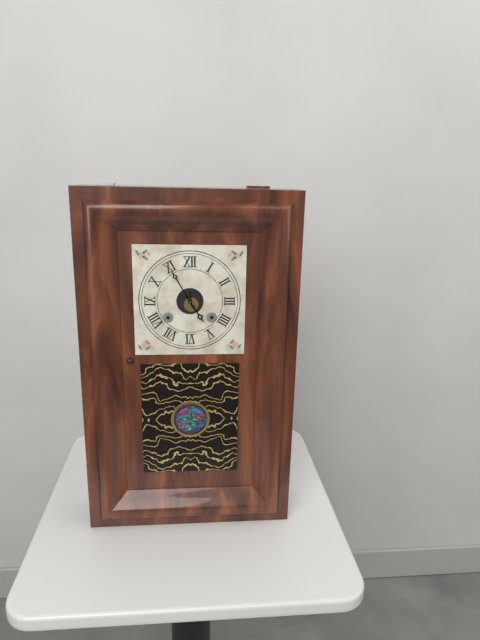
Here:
h=4 m=55
